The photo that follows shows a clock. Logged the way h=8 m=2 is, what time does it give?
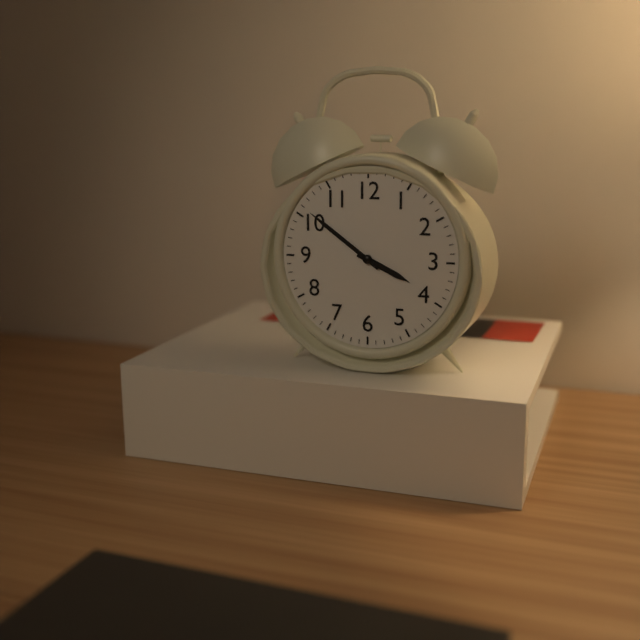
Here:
h=3 m=51
